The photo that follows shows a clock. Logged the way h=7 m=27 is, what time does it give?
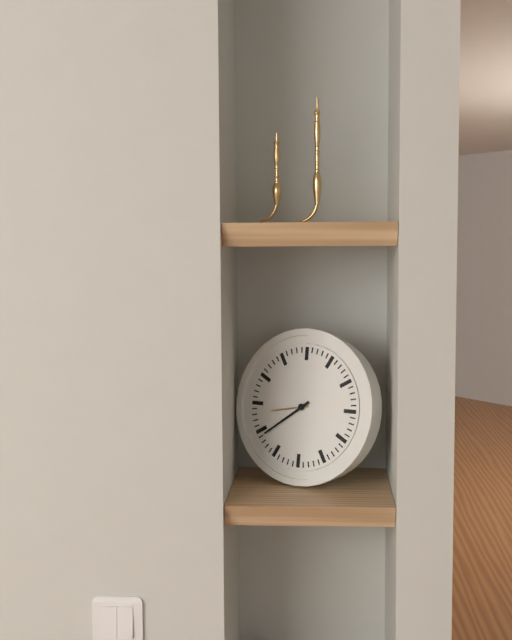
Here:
h=8 m=39
